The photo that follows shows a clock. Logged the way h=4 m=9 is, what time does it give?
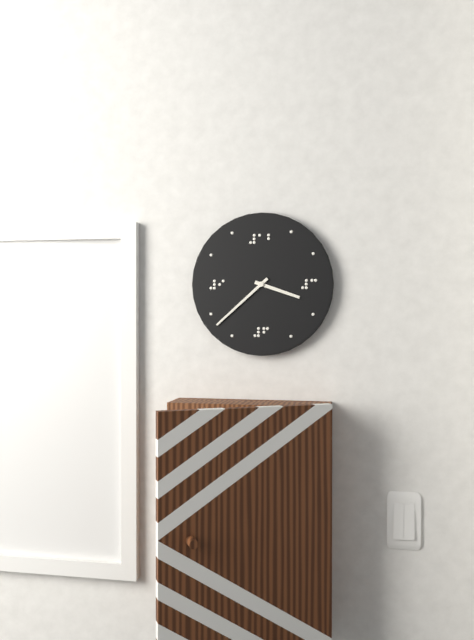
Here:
h=3 m=38
